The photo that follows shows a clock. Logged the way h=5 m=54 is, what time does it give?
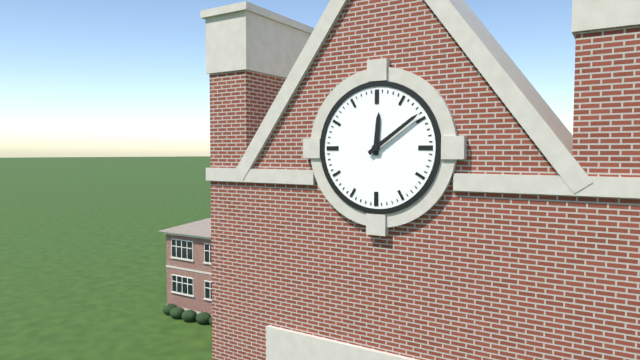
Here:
h=12 m=9
